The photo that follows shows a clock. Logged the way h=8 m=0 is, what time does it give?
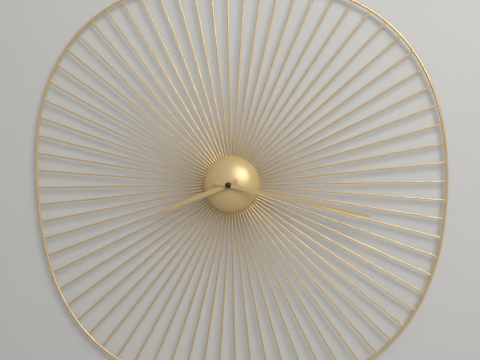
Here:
h=8 m=17
